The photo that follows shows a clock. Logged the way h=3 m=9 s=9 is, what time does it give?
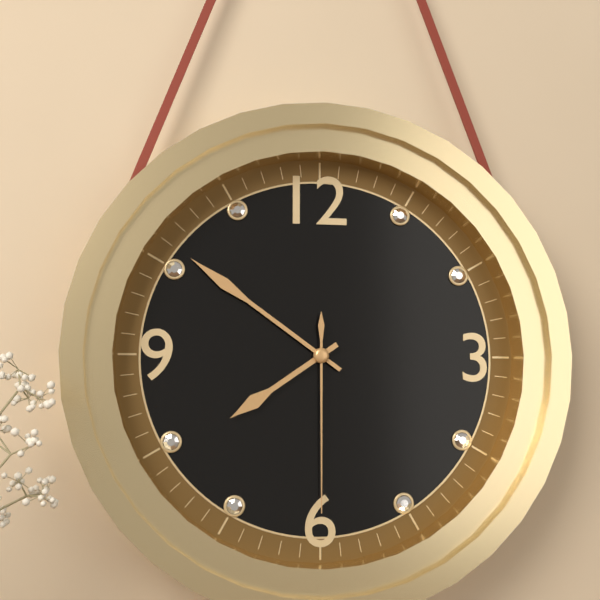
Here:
h=7 m=51 s=30
